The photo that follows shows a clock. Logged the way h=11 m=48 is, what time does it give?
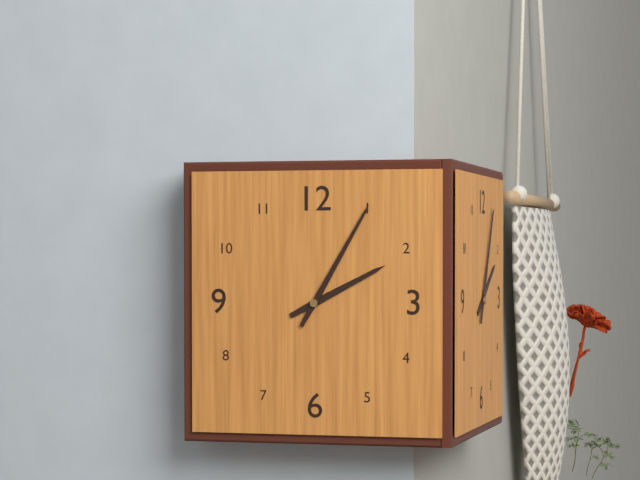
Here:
h=2 m=5
